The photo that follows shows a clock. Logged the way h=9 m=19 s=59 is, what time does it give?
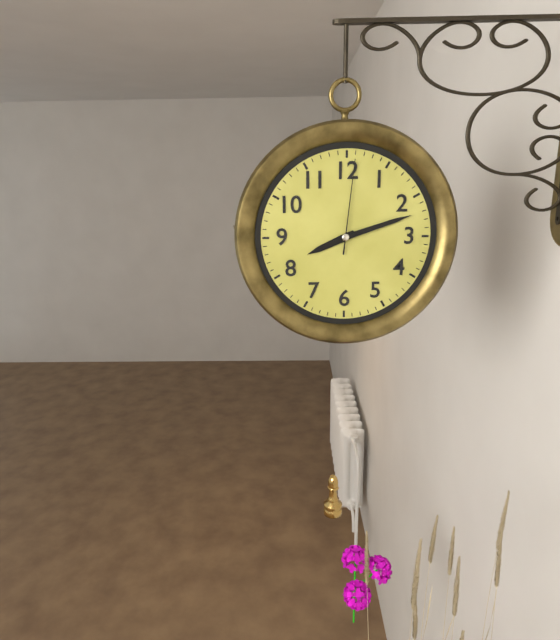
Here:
h=8 m=12 s=1
